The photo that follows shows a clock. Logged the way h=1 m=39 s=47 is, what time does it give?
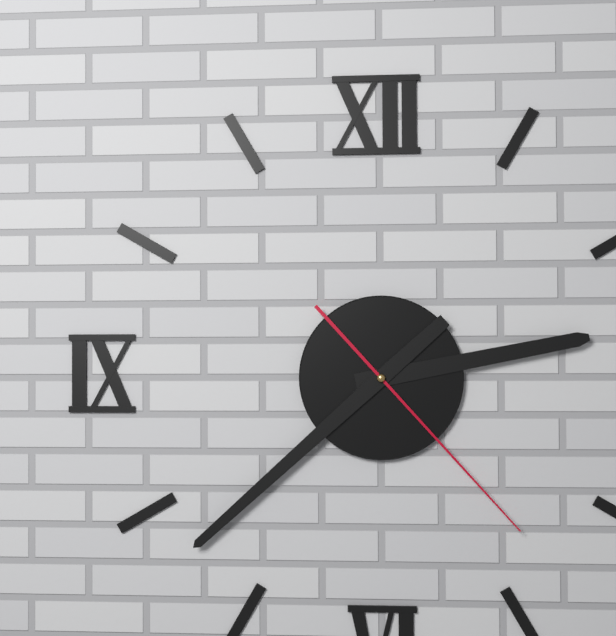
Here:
h=2 m=38 s=23
